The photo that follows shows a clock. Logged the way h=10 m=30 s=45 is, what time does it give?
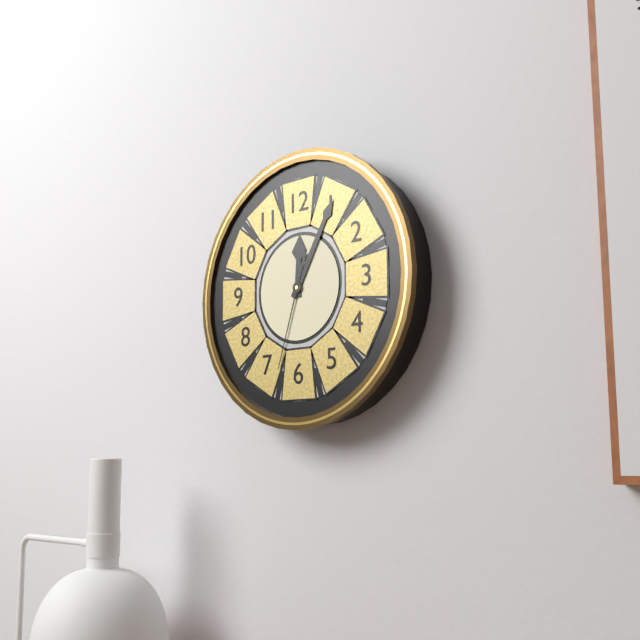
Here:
h=12 m=5 s=33
